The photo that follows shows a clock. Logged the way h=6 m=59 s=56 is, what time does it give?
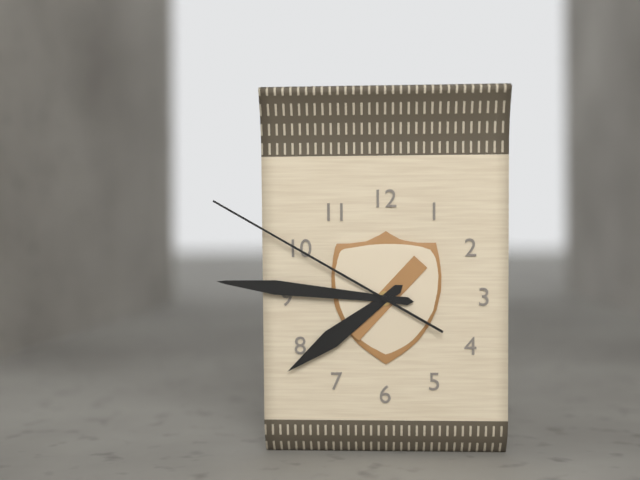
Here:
h=7 m=46 s=50
